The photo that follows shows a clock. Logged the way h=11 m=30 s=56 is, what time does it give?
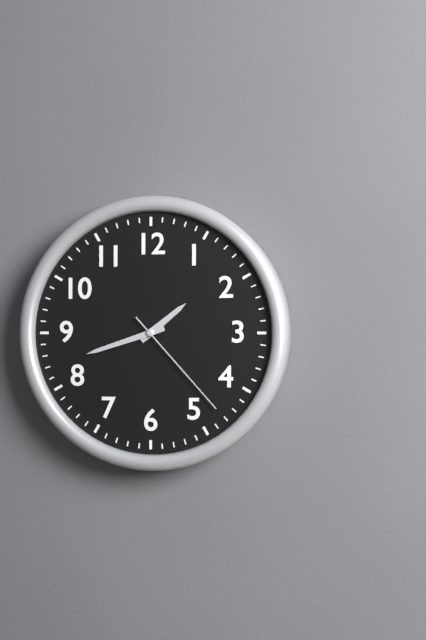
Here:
h=1 m=42 s=23
